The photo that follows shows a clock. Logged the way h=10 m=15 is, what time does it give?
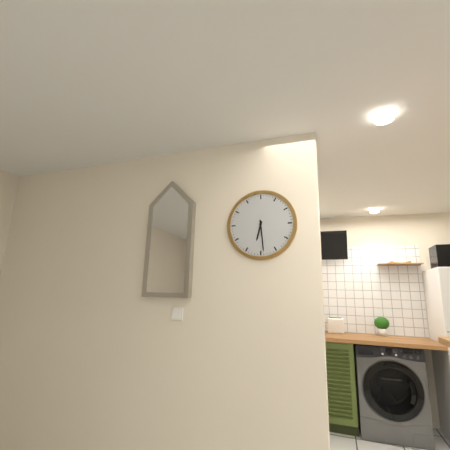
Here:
h=6 m=29
